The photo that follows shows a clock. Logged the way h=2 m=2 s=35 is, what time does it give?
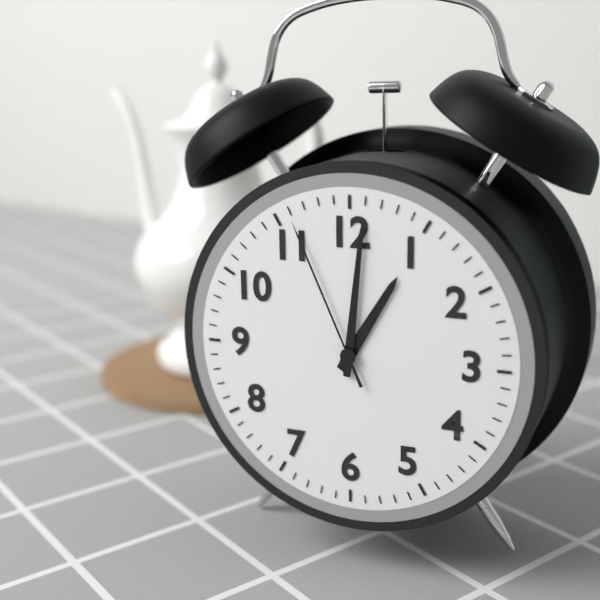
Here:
h=1 m=1 s=56
